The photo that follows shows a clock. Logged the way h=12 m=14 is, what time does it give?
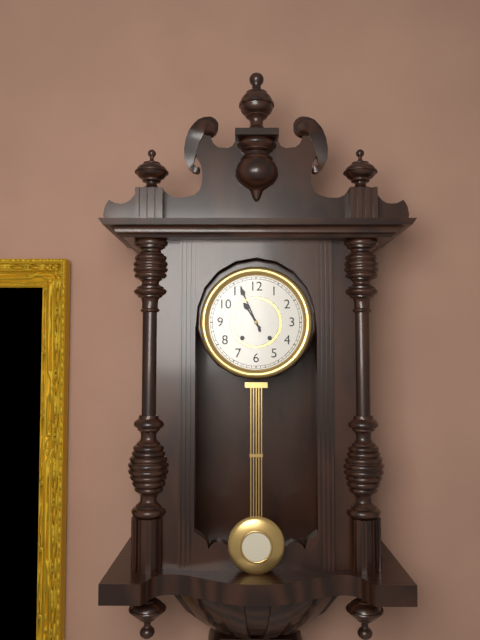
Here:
h=10 m=56
